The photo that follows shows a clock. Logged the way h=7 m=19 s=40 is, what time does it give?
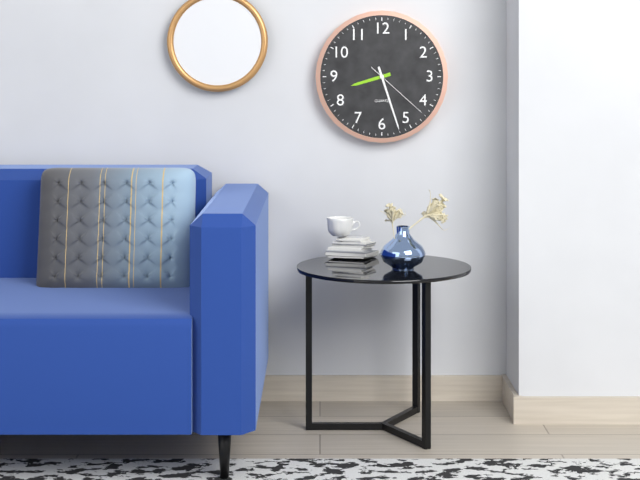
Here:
h=8 m=27 s=22
